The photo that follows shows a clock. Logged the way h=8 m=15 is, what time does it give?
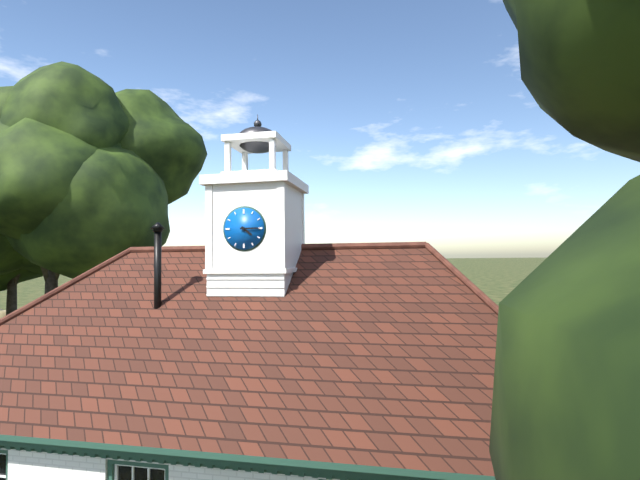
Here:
h=4 m=15
